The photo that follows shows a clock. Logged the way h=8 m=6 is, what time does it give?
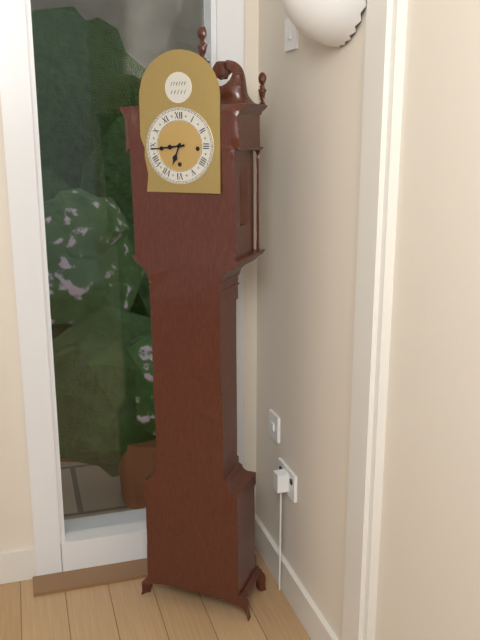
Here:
h=6 m=44
